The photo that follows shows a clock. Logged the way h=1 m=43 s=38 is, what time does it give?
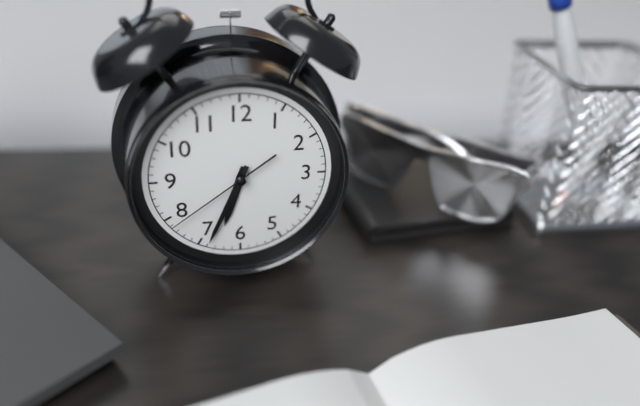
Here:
h=6 m=34 s=39
